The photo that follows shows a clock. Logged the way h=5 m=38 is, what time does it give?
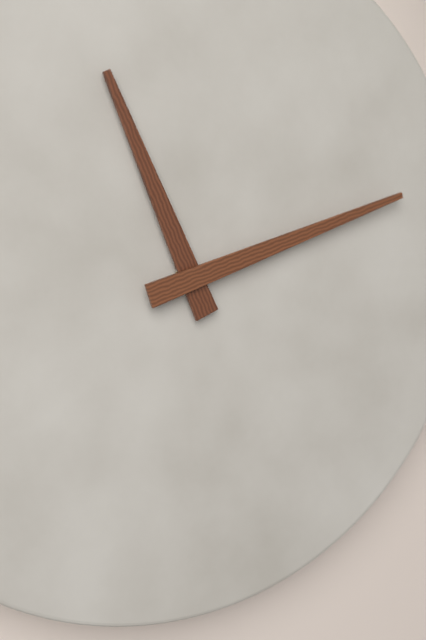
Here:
h=11 m=12
